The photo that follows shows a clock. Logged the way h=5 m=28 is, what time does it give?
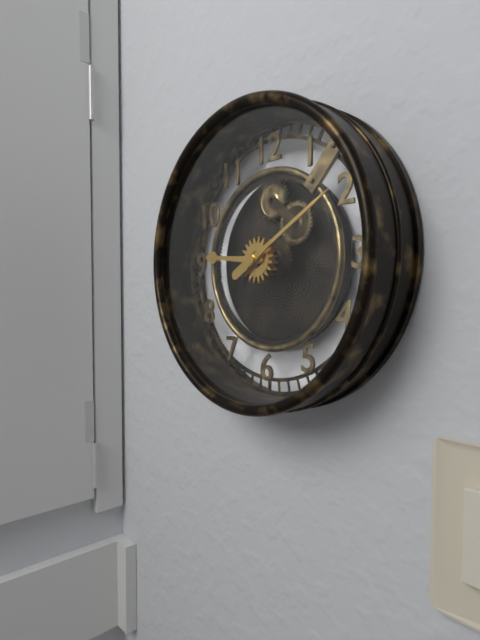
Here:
h=9 m=10
